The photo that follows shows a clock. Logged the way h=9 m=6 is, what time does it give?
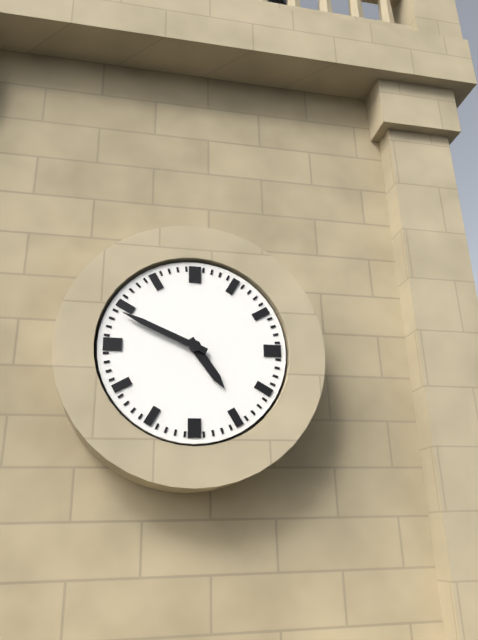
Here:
h=4 m=49
